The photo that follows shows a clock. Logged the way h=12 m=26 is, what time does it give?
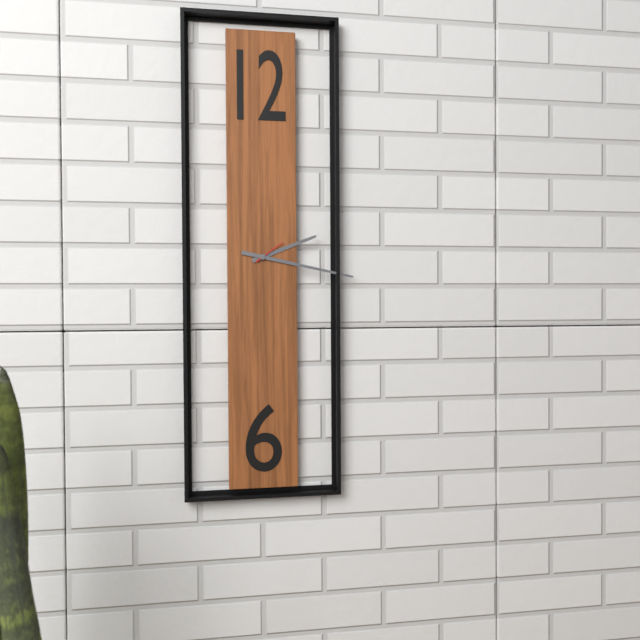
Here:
h=2 m=17
